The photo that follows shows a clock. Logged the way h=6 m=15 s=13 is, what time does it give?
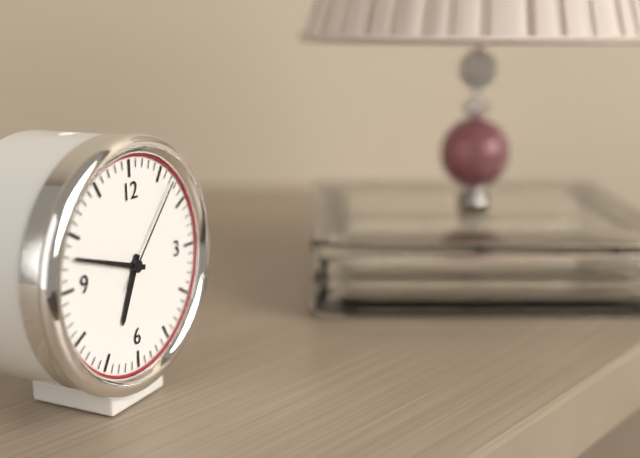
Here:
h=6 m=48 s=7
